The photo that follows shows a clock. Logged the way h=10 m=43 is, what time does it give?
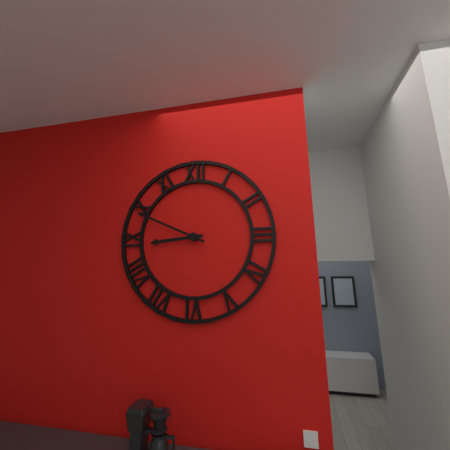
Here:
h=8 m=49
